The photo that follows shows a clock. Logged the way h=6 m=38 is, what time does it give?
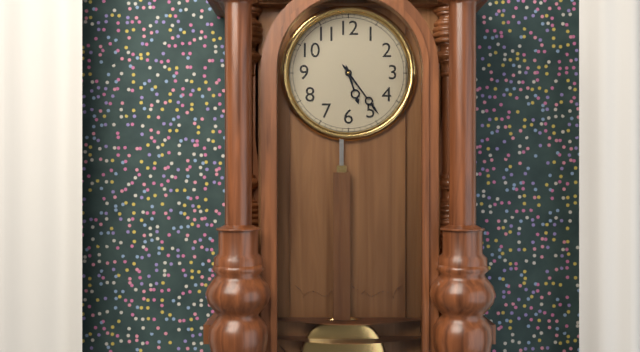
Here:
h=5 m=24
